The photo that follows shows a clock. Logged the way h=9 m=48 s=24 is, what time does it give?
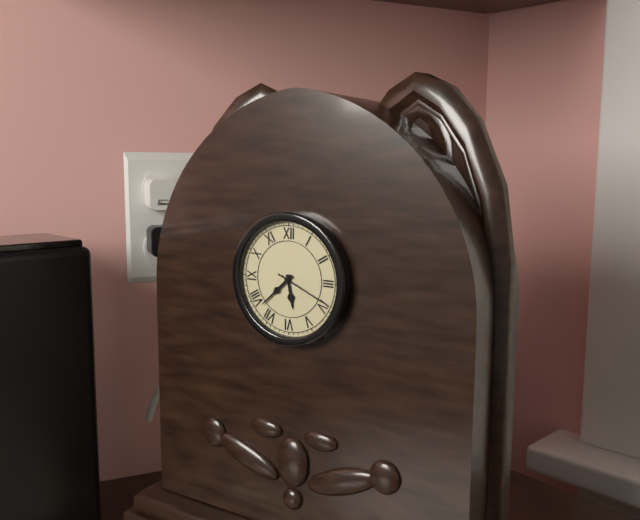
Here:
h=5 m=38 s=19
